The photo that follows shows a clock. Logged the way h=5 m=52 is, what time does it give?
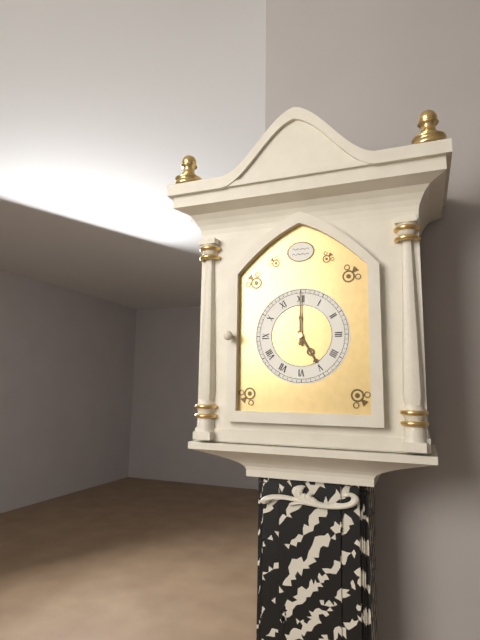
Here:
h=5 m=0
